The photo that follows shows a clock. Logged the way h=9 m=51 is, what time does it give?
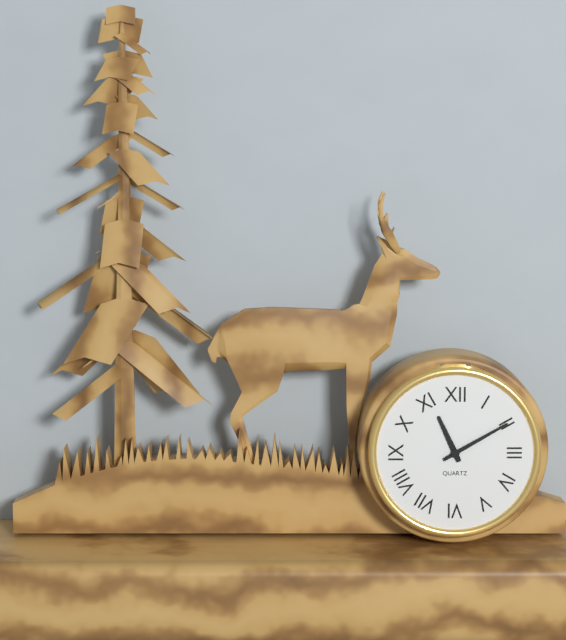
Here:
h=11 m=10
